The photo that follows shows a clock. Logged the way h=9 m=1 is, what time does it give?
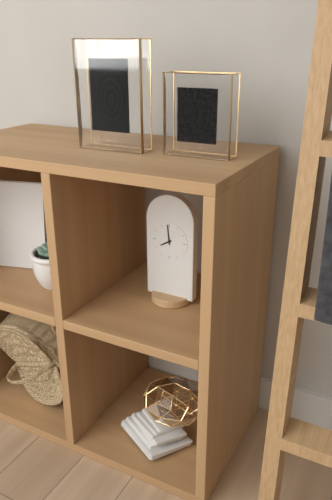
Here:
h=7 m=59
